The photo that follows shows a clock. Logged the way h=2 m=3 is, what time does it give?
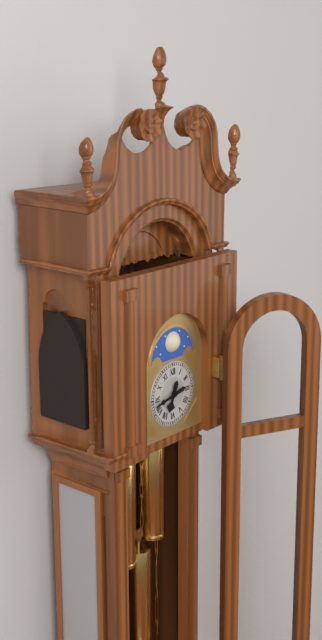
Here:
h=6 m=43
